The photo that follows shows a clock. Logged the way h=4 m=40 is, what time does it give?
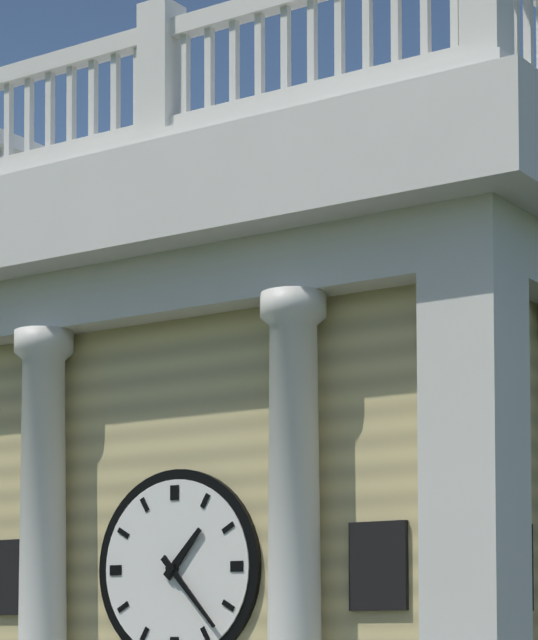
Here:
h=1 m=23
